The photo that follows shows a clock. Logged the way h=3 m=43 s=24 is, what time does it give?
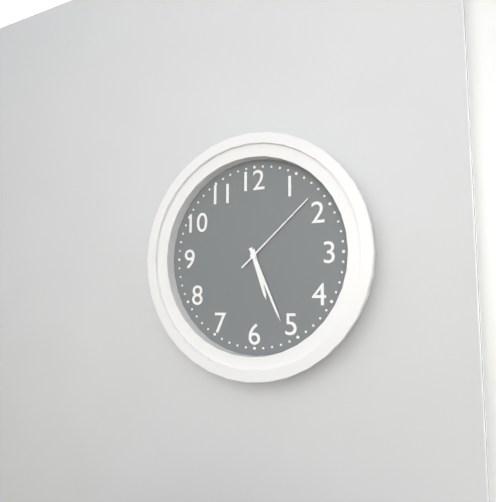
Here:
h=5 m=26 s=8
